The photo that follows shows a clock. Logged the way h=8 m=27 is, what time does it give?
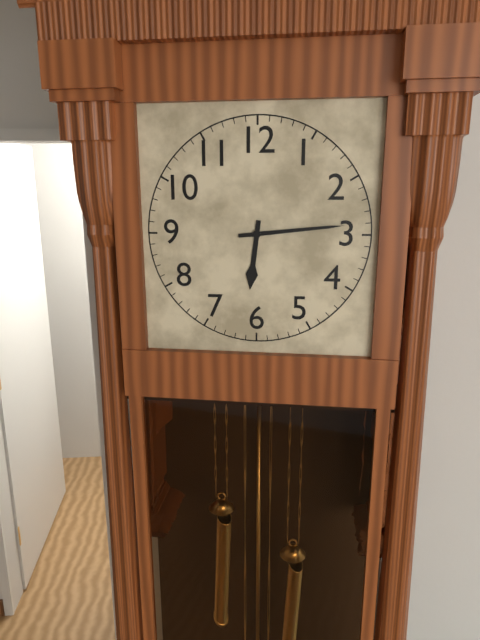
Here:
h=6 m=14
